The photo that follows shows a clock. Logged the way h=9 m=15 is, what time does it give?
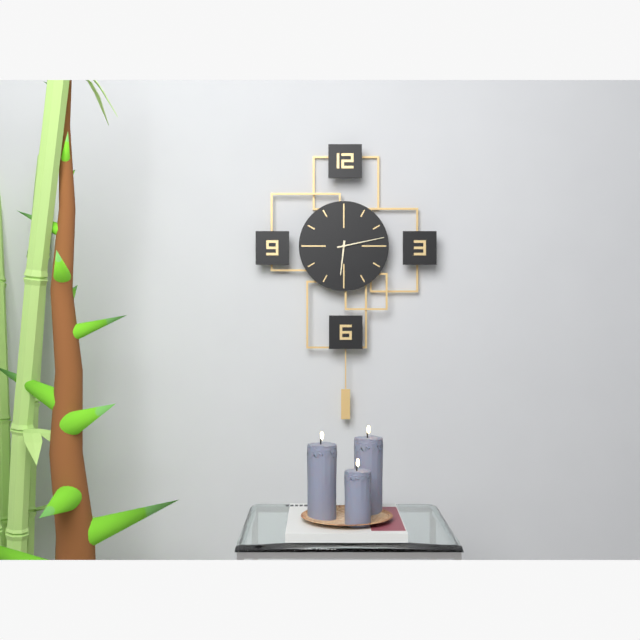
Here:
h=6 m=13
